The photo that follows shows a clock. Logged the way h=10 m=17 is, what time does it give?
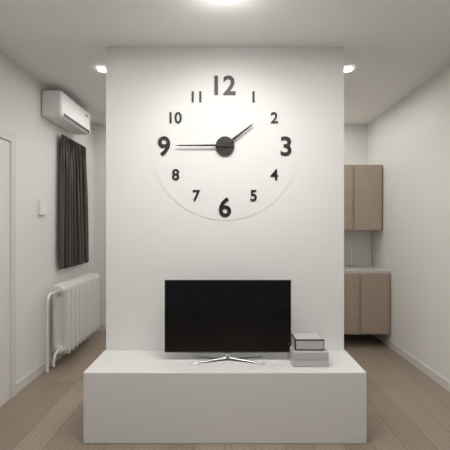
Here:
h=1 m=45
